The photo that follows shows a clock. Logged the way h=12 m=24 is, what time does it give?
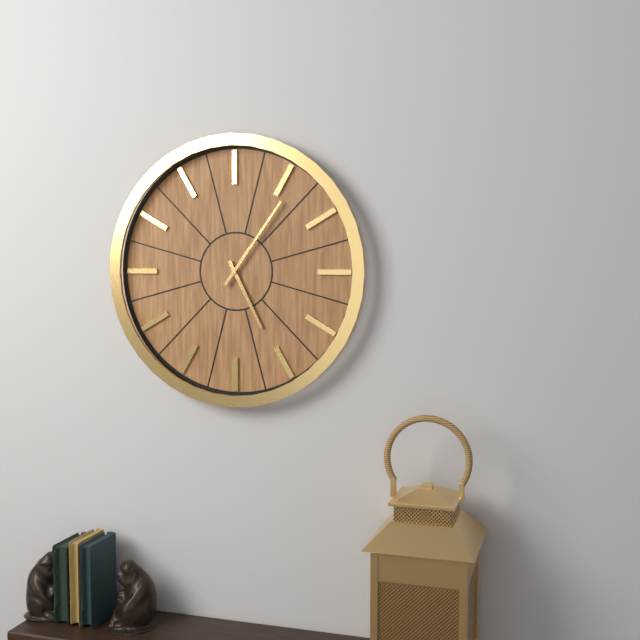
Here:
h=5 m=6
